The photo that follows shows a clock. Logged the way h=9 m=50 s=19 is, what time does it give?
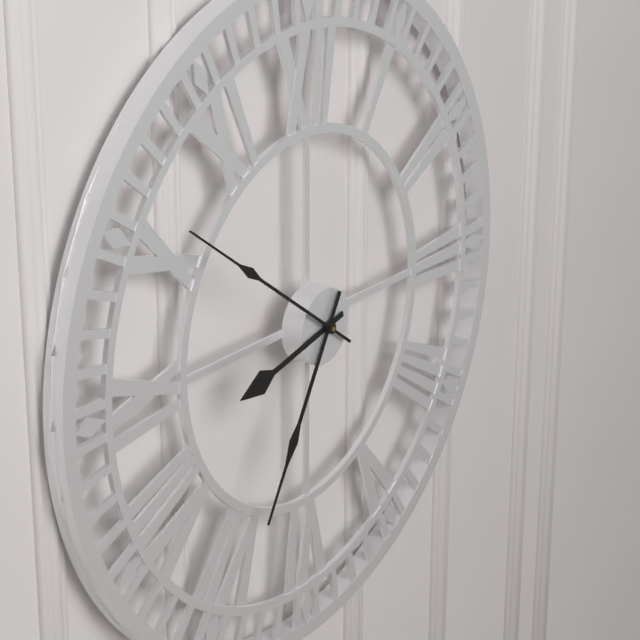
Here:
h=8 m=35 s=51
